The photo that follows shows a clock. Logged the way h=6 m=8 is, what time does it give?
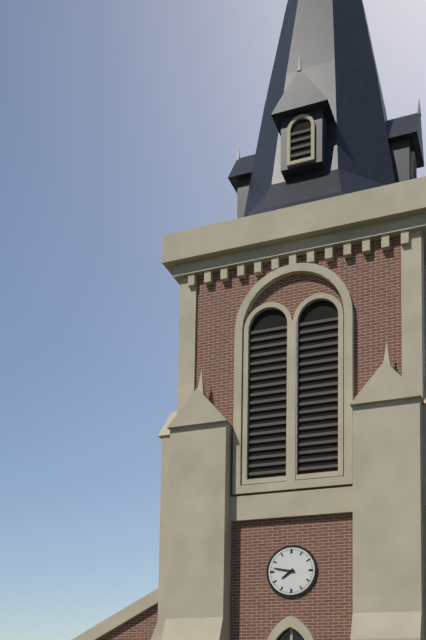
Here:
h=7 m=47
